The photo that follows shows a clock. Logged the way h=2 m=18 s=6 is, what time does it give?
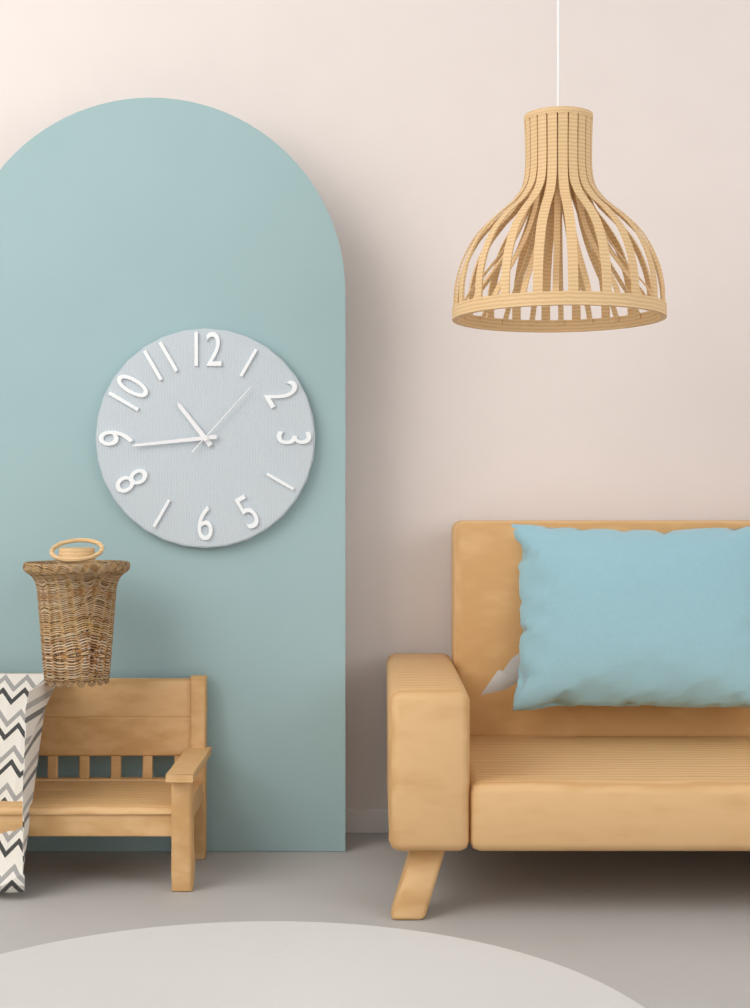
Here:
h=10 m=44 s=7
